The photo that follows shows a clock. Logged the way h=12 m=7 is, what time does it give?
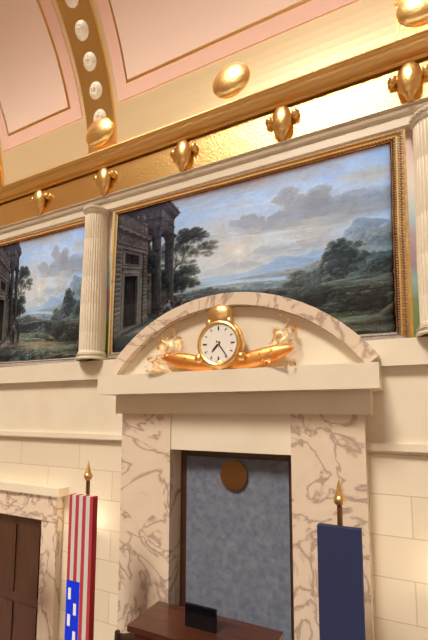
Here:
h=7 m=24
